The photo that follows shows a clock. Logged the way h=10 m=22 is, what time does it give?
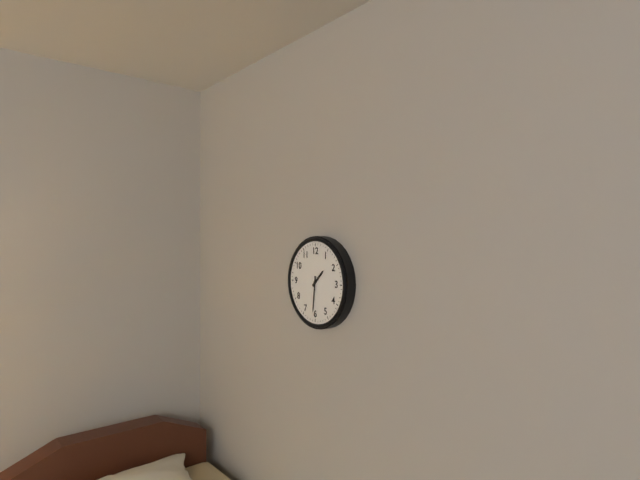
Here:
h=1 m=31
